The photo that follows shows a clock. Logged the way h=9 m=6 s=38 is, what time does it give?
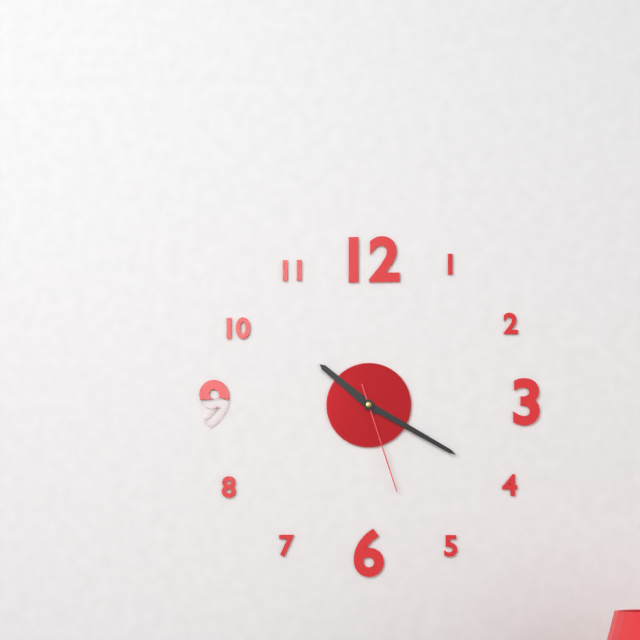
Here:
h=10 m=20 s=27
